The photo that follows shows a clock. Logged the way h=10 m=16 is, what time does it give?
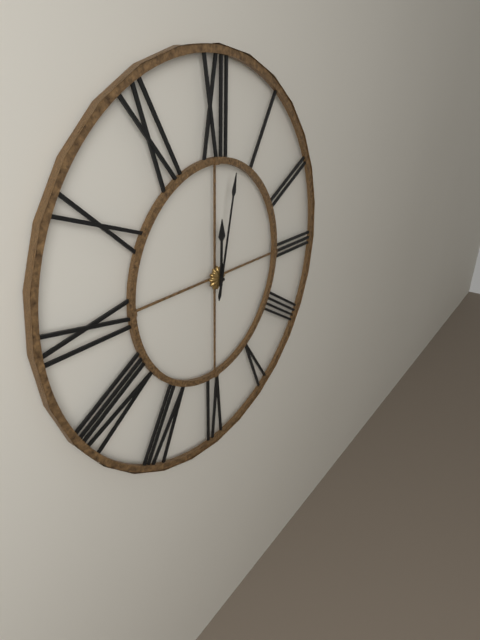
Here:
h=12 m=2
